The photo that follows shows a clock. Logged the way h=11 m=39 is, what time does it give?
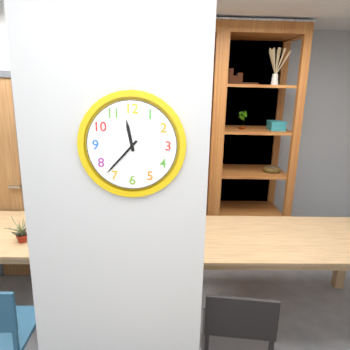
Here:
h=11 m=37
